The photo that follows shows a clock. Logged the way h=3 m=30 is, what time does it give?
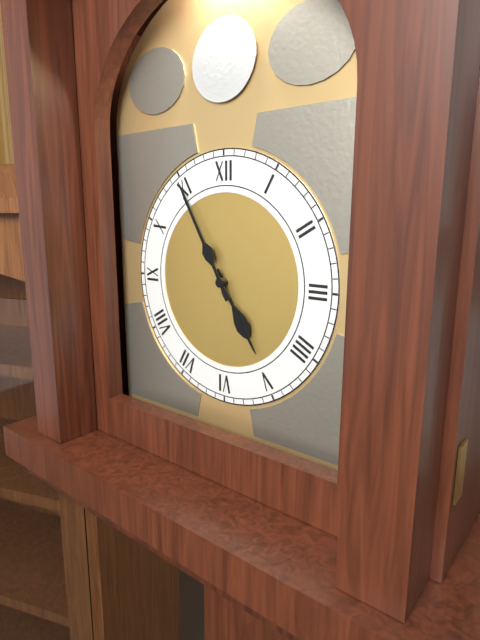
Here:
h=4 m=55
